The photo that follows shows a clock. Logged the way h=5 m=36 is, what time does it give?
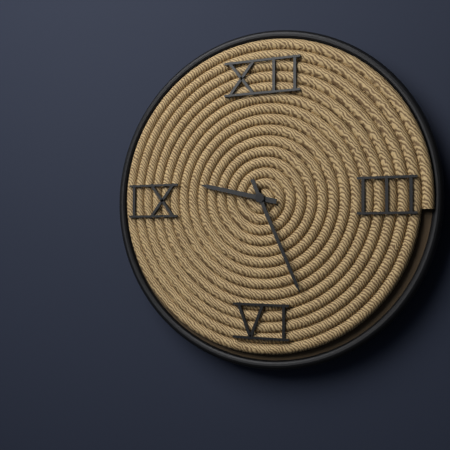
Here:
h=9 m=26
